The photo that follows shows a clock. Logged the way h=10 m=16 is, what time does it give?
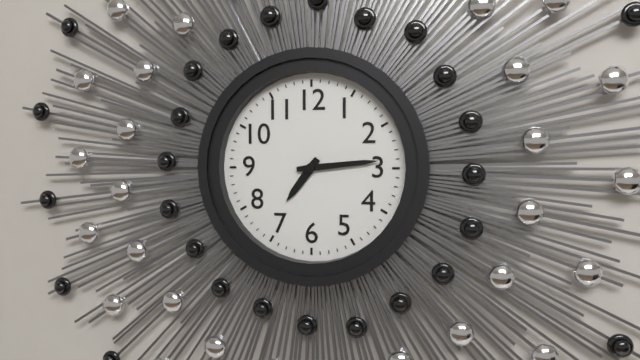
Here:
h=7 m=14
